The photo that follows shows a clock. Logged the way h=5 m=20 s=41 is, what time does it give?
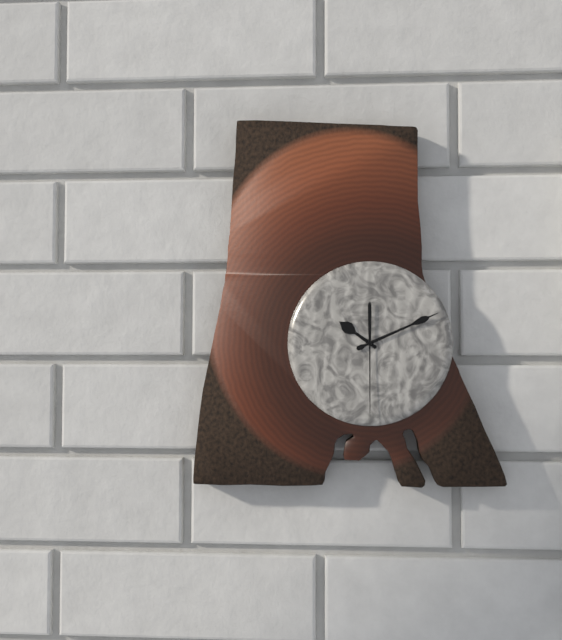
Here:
h=10 m=11 s=30
